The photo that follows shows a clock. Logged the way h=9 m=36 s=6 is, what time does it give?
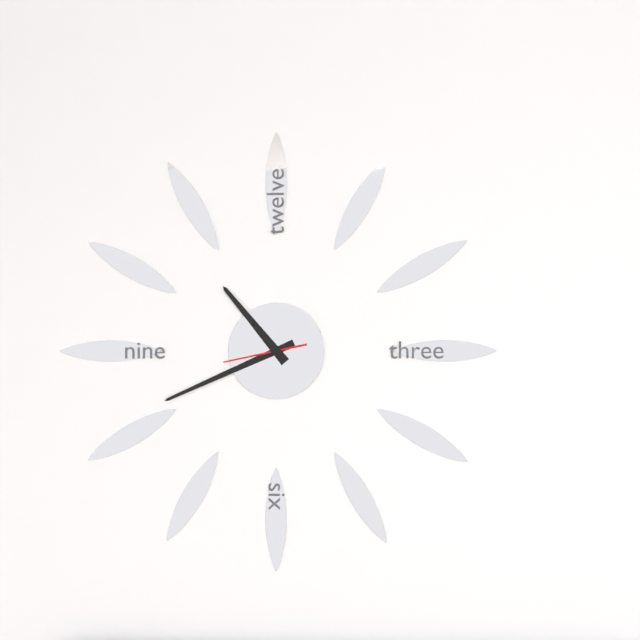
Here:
h=10 m=41 s=43
